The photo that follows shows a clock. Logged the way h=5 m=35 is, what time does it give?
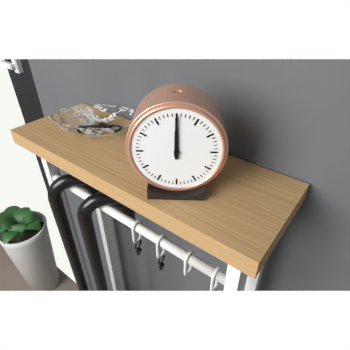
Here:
h=12 m=0
